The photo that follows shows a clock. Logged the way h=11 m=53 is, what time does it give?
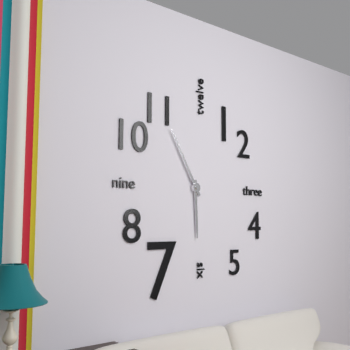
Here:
h=5 m=55
